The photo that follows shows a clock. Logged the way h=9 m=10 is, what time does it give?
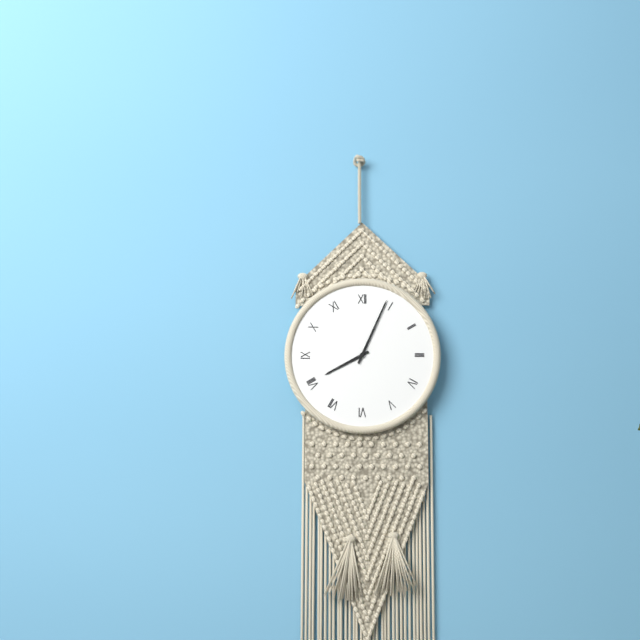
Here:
h=8 m=4
